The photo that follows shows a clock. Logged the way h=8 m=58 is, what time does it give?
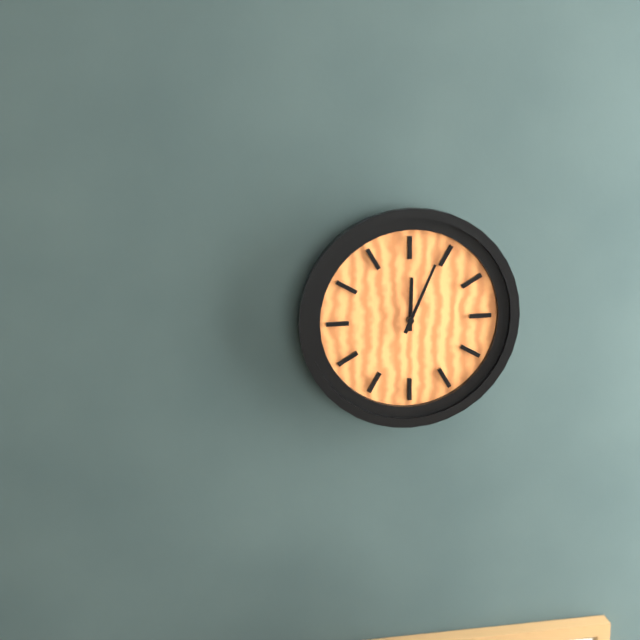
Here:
h=12 m=4
